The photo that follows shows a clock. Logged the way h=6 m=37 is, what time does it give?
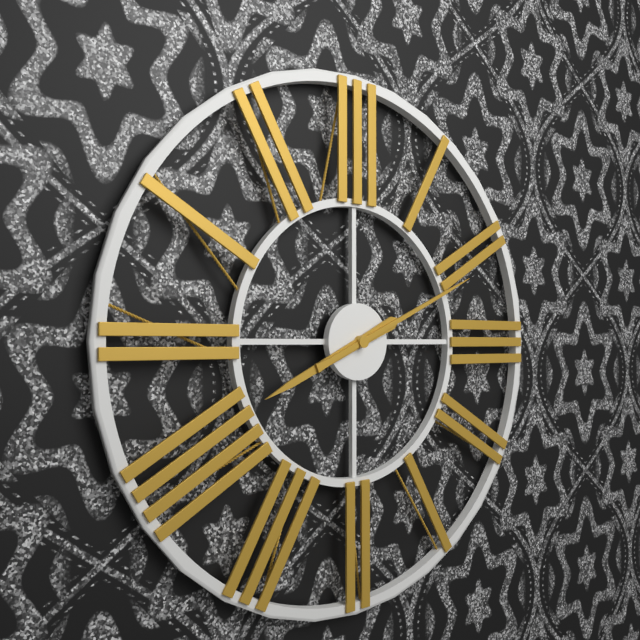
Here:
h=8 m=11
